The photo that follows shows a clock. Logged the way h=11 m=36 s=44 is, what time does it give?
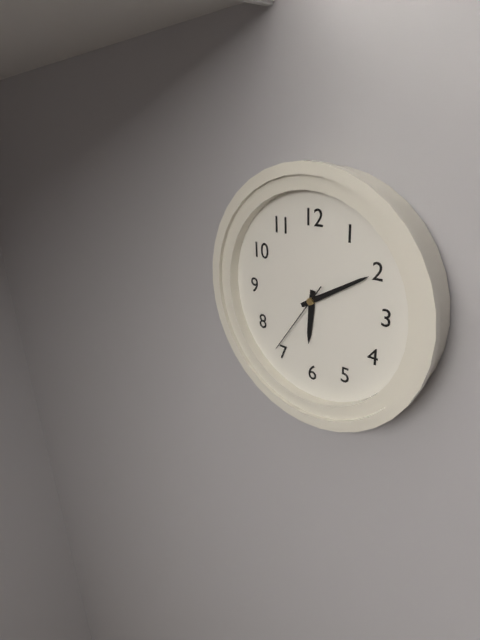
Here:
h=6 m=10 s=36
